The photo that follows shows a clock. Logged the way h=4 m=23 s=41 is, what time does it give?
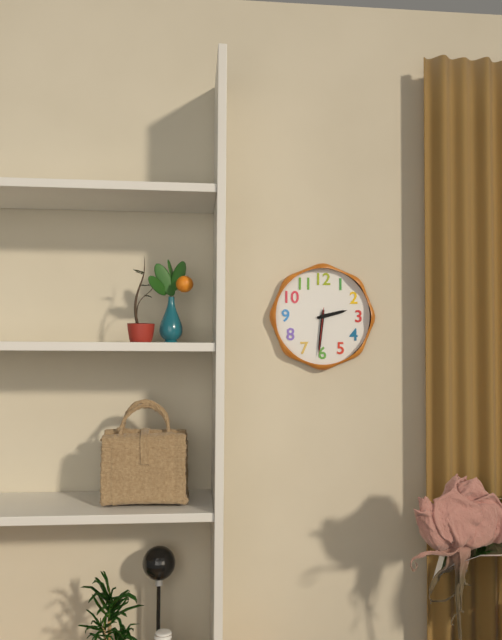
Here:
h=2 m=31 s=31
